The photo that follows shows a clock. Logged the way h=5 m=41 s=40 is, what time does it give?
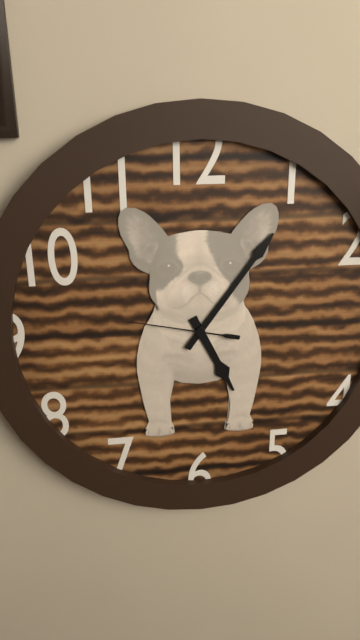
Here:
h=5 m=6 s=47
